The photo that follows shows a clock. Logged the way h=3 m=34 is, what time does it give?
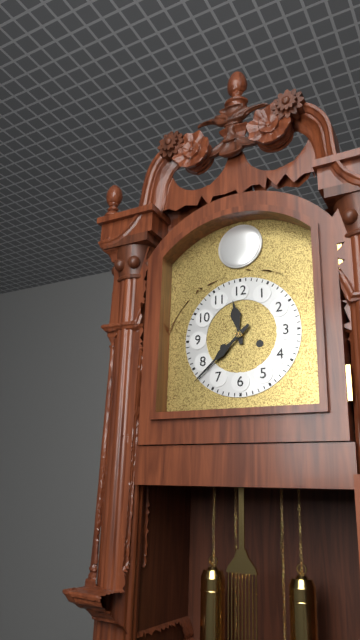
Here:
h=11 m=38
